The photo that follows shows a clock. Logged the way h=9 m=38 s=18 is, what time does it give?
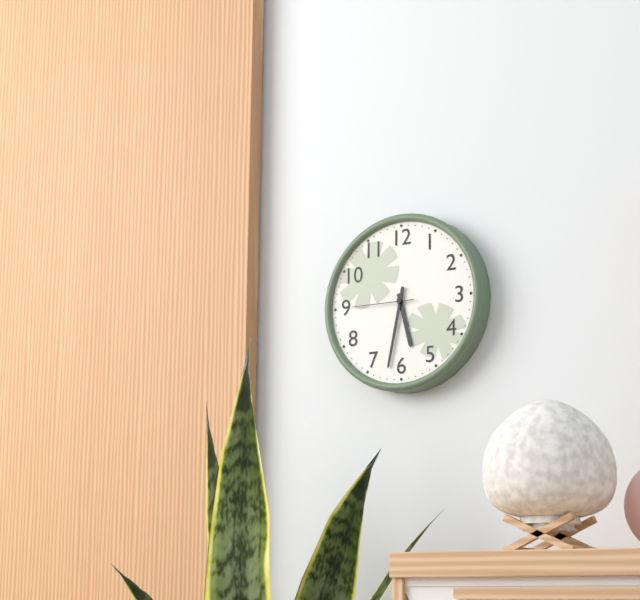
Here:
h=5 m=32 s=45
